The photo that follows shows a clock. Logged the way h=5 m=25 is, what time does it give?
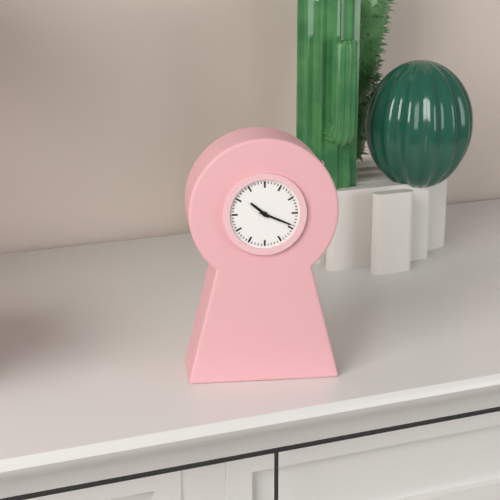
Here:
h=10 m=19
